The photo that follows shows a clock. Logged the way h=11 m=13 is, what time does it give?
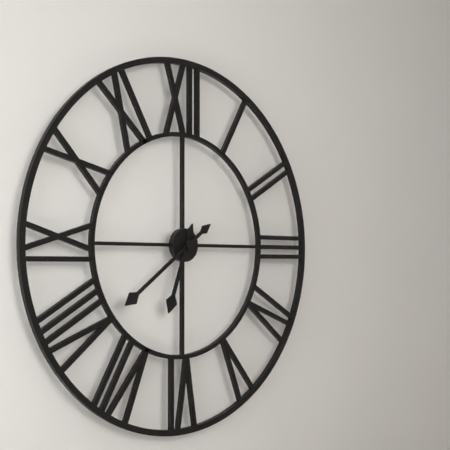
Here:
h=6 m=39
